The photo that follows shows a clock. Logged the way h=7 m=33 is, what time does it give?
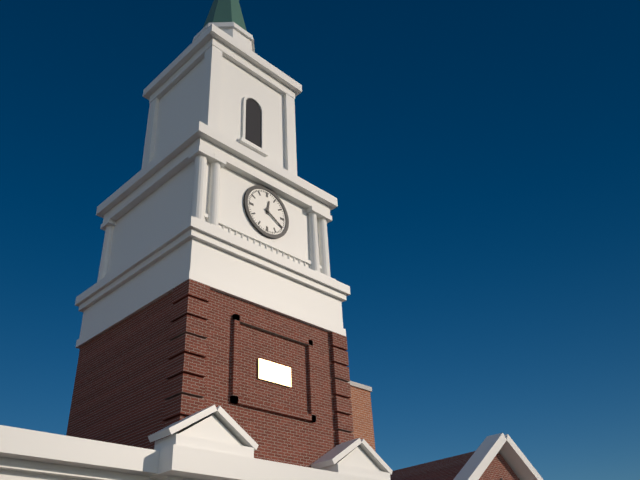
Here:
h=12 m=20
